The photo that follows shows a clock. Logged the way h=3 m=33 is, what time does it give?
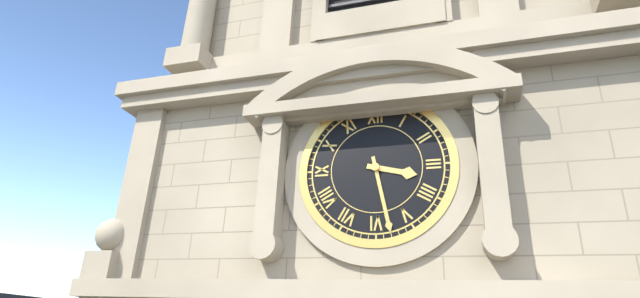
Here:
h=3 m=28
